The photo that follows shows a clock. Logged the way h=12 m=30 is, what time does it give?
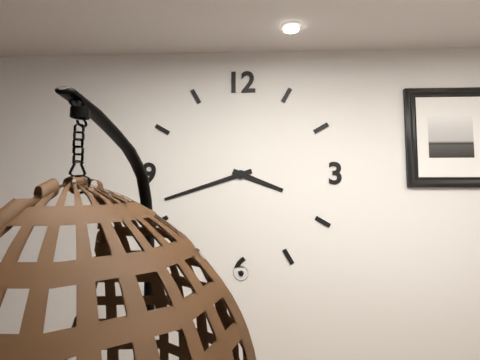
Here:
h=3 m=42
